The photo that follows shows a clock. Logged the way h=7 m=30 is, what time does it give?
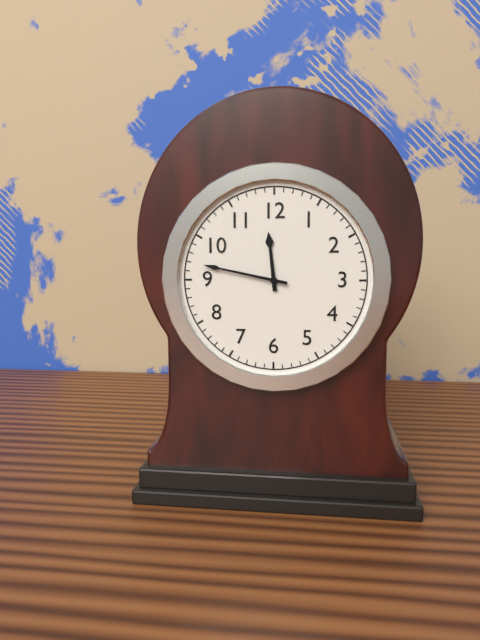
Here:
h=11 m=47
